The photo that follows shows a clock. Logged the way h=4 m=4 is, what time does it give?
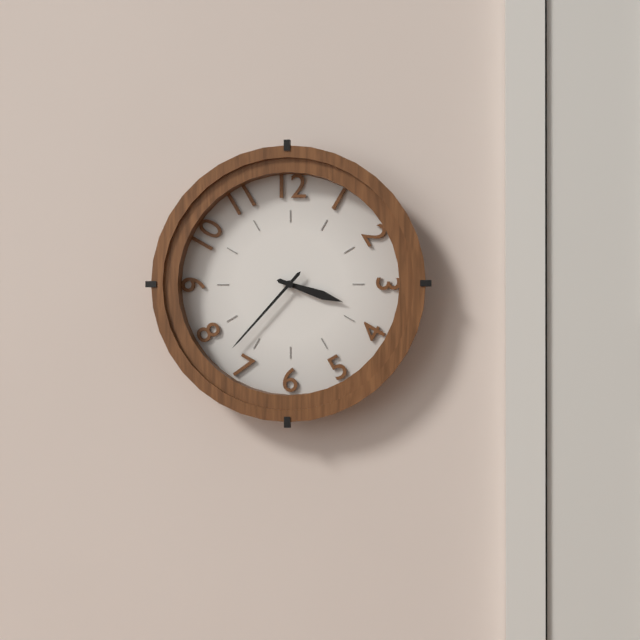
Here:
h=3 m=37
